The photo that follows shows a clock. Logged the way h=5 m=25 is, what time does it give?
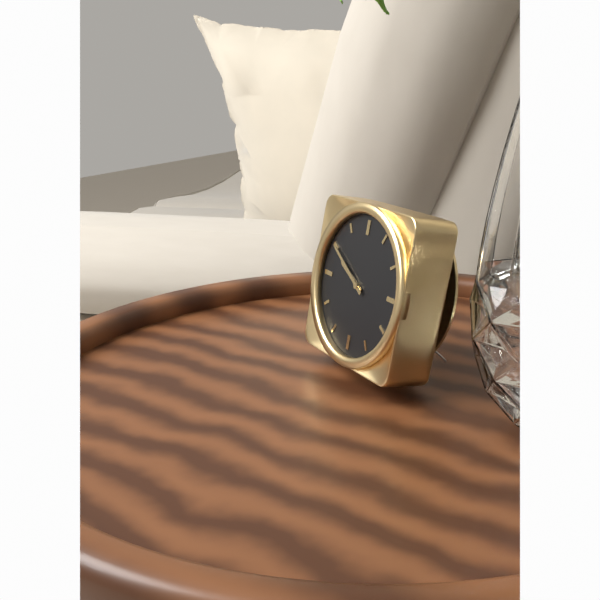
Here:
h=9 m=50
